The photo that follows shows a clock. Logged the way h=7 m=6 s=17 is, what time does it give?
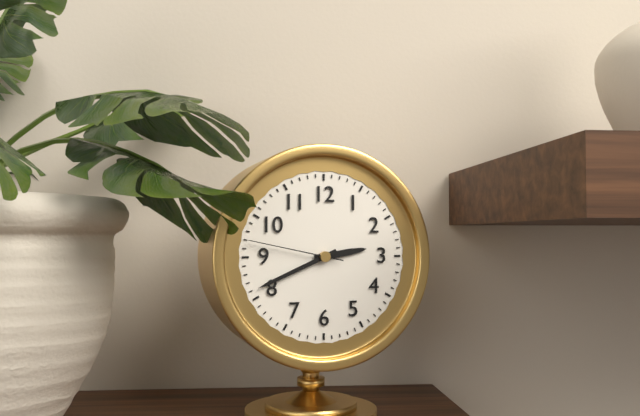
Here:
h=2 m=41 s=47
